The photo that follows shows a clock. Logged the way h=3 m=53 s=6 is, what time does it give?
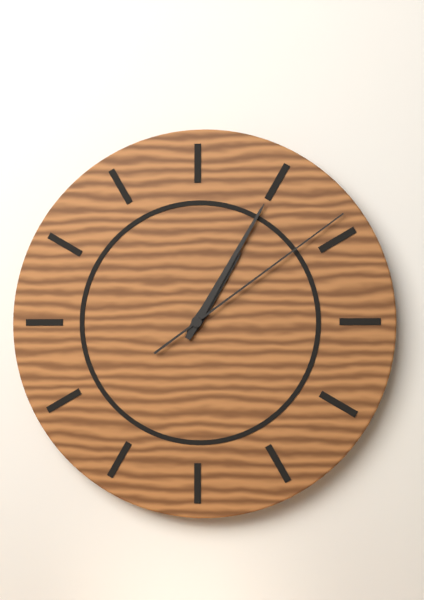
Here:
h=1 m=5 s=9
